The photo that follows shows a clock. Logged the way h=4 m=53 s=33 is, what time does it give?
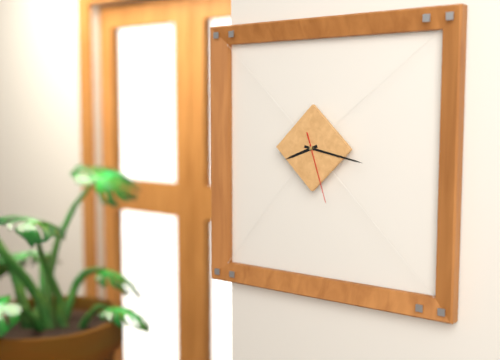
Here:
h=8 m=17 s=27
